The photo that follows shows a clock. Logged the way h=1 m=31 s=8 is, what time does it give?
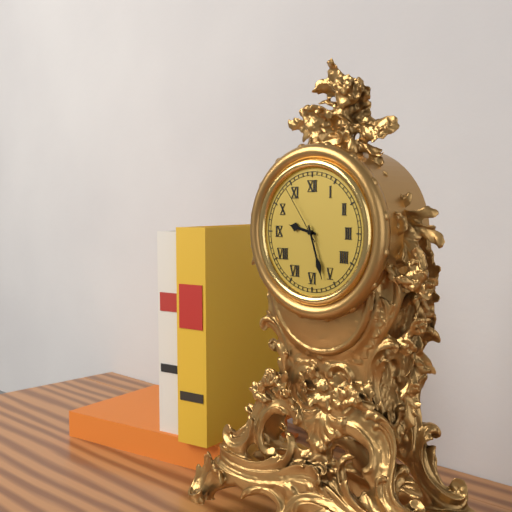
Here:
h=9 m=27 s=54
